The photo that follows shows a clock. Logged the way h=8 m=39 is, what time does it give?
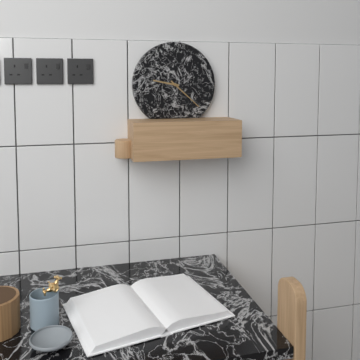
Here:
h=9 m=22
